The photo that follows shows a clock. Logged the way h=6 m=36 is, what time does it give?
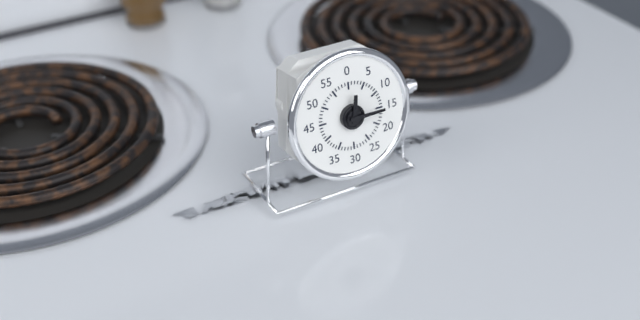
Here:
h=12 m=15
